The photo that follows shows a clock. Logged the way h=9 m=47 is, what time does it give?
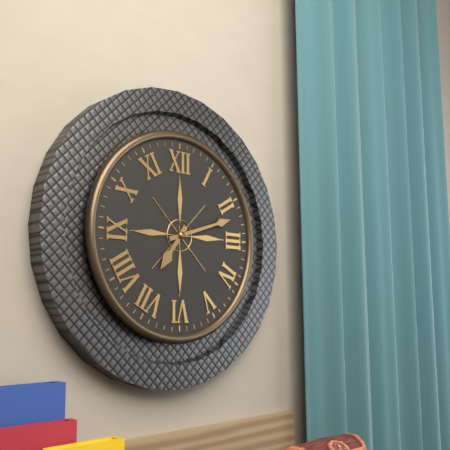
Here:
h=7 m=12
